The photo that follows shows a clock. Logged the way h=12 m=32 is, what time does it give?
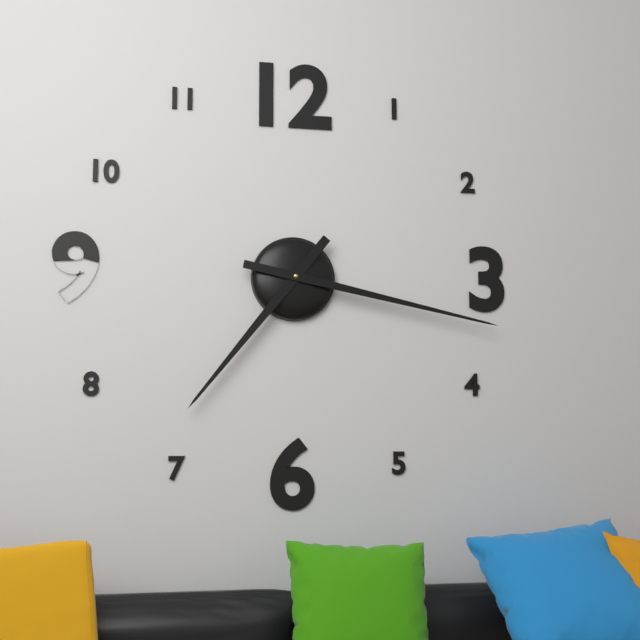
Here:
h=7 m=17
